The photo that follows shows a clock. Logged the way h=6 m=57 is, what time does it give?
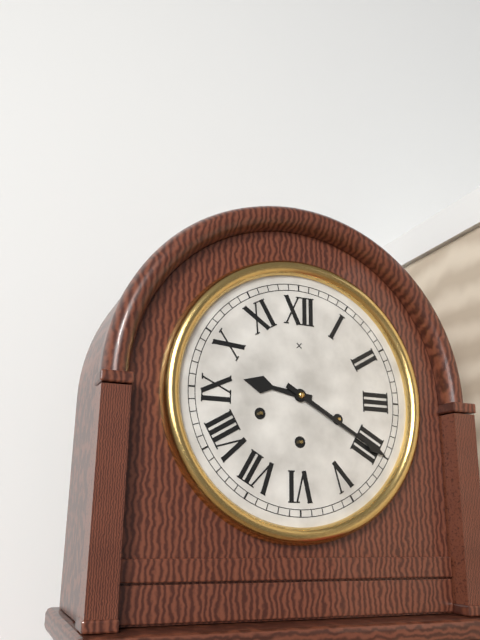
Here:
h=9 m=20
